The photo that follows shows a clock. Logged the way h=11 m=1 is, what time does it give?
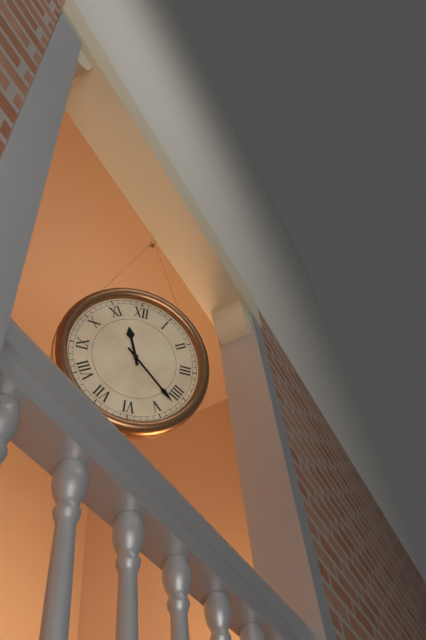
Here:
h=11 m=22
